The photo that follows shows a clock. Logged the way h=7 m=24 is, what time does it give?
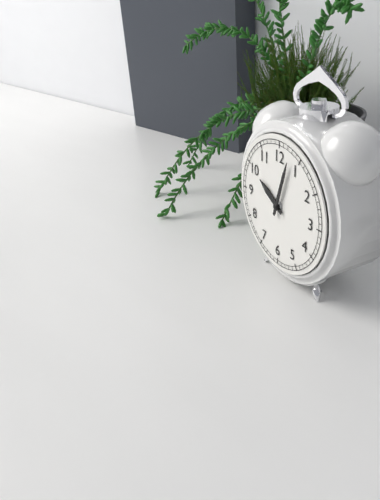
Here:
h=10 m=3
